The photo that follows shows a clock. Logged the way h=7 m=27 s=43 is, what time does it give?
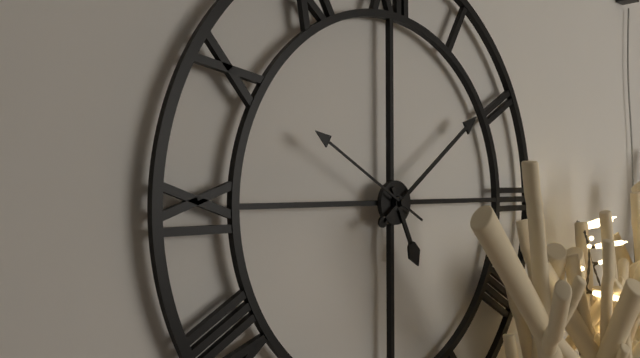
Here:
h=5 m=9 s=50
